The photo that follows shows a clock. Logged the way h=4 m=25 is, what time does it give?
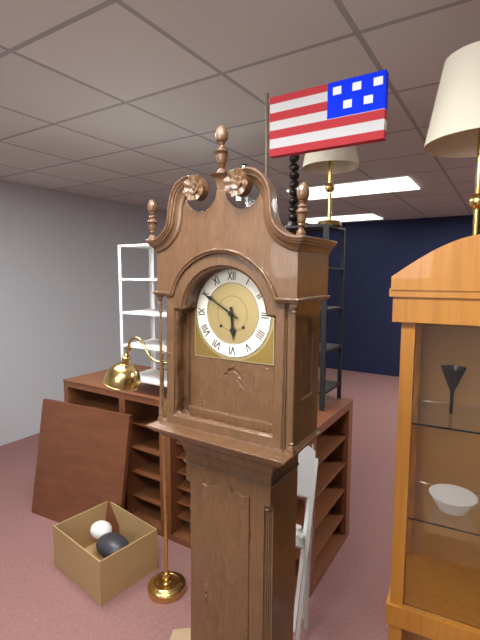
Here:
h=5 m=50
